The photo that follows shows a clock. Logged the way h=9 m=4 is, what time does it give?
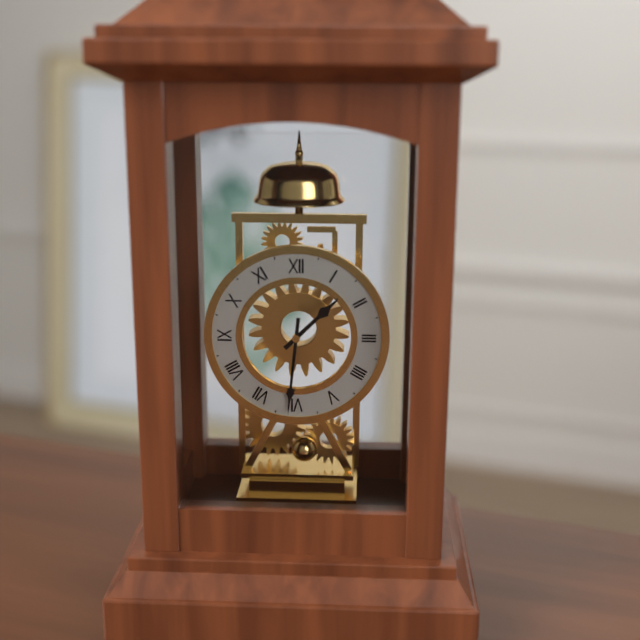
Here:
h=1 m=31
